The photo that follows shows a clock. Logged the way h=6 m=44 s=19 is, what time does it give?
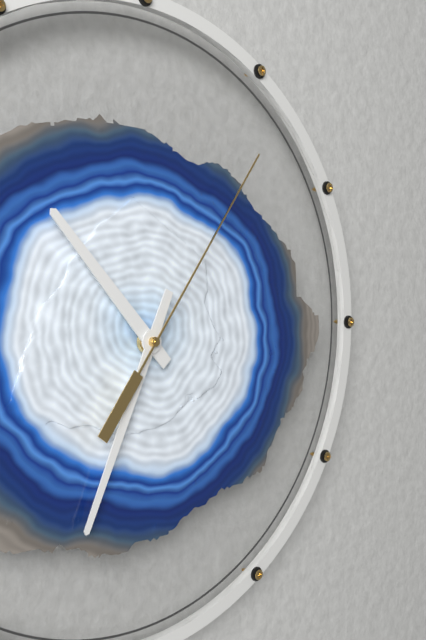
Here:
h=10 m=34 s=6
